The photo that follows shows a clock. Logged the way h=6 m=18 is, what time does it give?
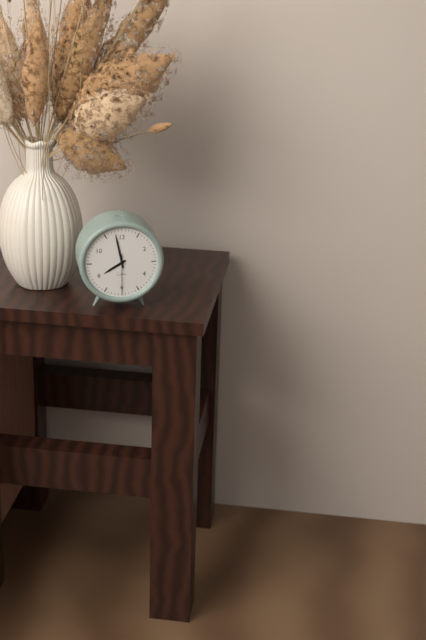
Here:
h=7 m=58
